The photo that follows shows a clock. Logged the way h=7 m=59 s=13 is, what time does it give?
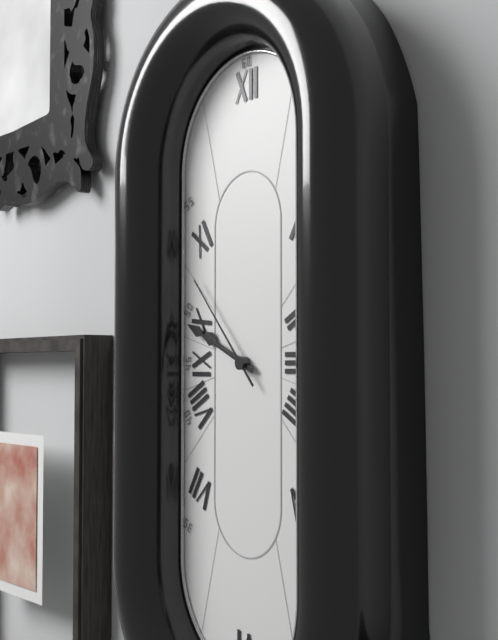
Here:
h=9 m=49 s=53
